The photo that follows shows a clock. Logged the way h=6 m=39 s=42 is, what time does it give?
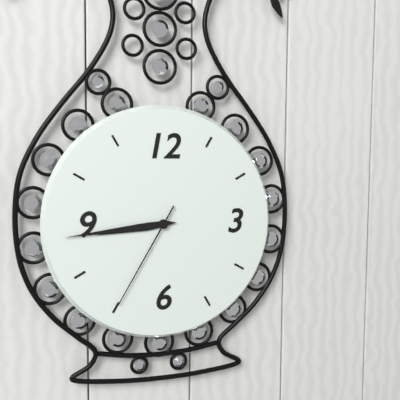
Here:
h=8 m=44 s=35
